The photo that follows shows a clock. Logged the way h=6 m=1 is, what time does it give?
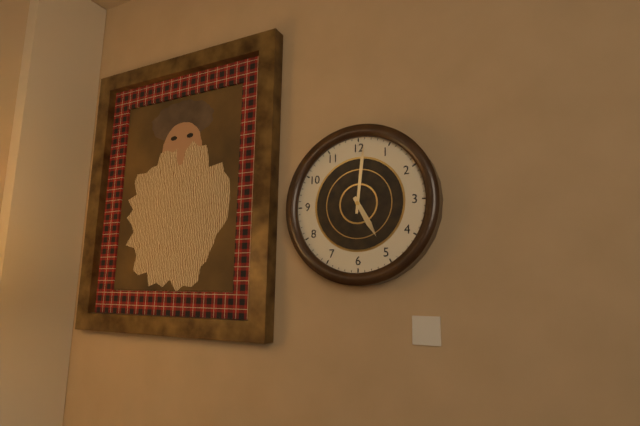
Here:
h=5 m=1
